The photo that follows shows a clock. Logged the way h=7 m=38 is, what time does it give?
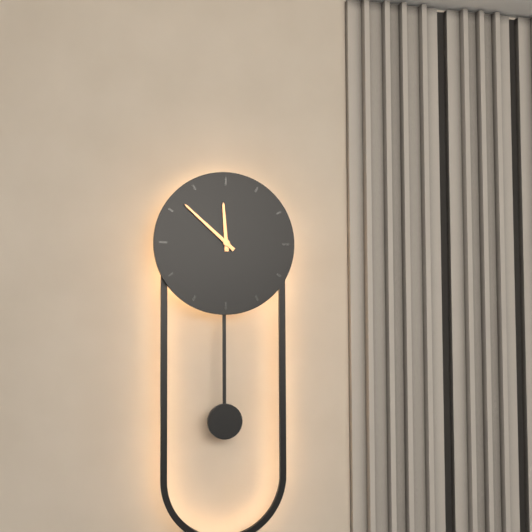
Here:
h=11 m=52
